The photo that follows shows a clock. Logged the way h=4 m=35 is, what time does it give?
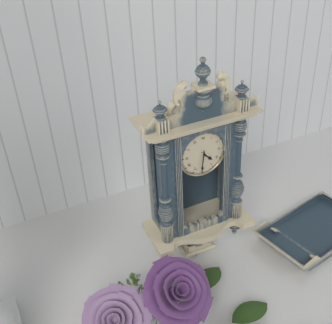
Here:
h=4 m=31
